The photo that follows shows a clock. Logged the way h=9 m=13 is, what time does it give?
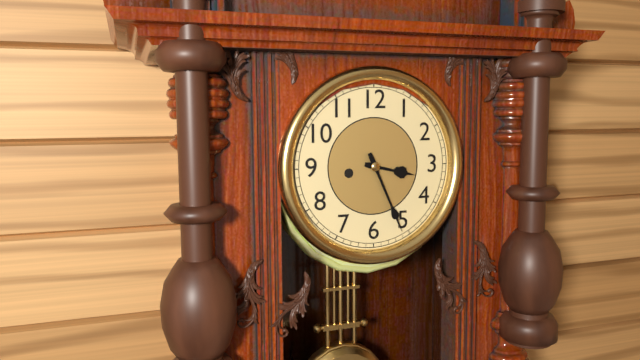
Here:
h=3 m=26
